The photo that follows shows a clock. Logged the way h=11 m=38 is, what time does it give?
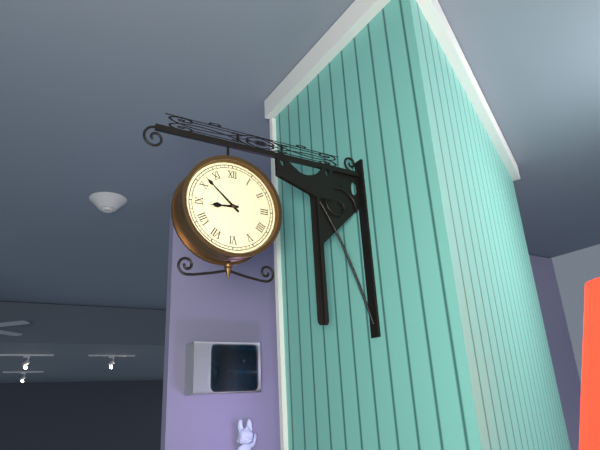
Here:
h=8 m=52
